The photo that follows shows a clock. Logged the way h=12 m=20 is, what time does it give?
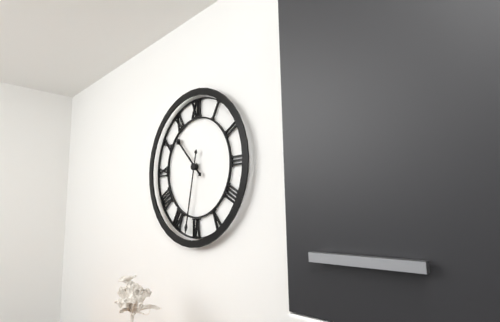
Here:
h=10 m=32
